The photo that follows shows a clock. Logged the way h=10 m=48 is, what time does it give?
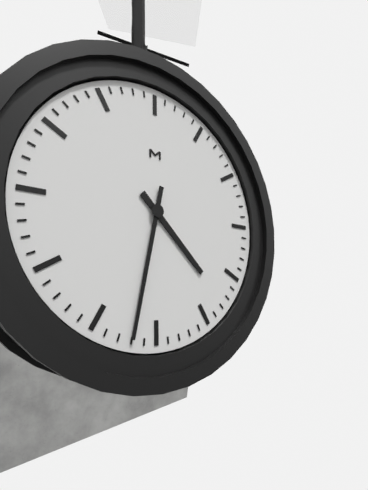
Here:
h=4 m=32
